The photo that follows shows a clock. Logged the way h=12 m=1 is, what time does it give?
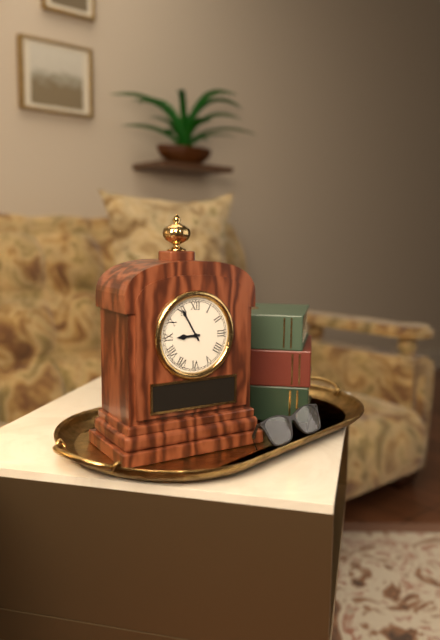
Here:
h=8 m=55
